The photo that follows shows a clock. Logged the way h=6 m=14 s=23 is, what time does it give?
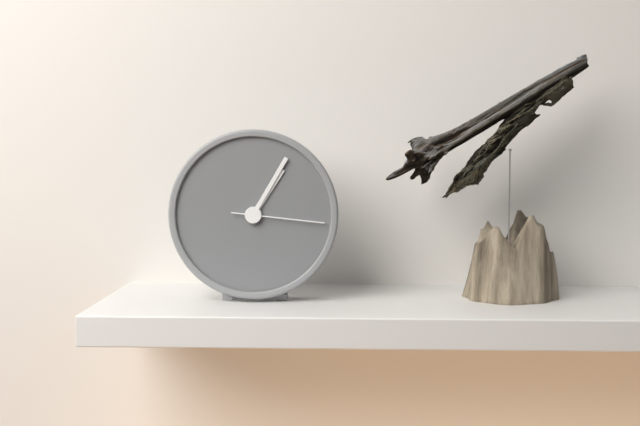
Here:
h=1 m=5 s=16
